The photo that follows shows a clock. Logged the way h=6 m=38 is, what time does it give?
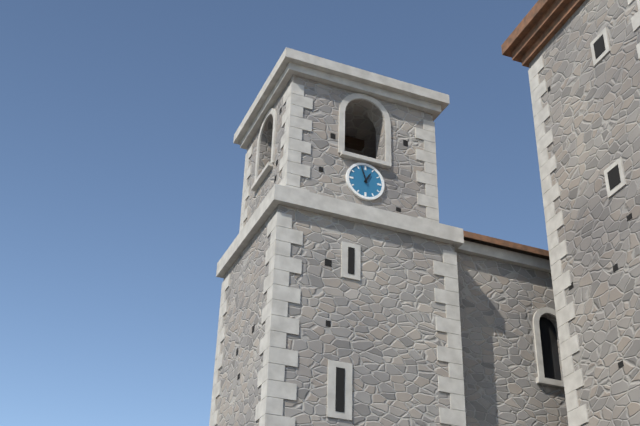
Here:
h=12 m=57
